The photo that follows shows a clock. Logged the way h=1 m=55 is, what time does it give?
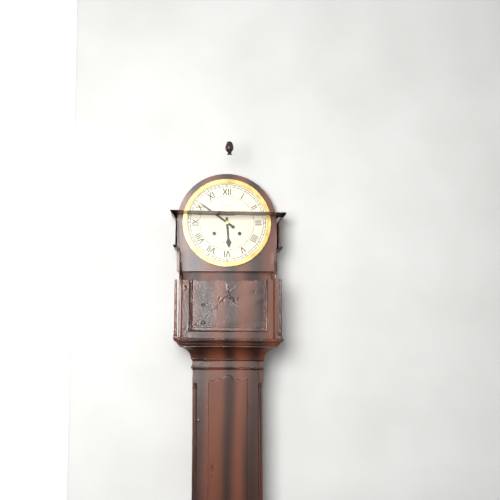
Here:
h=5 m=51
